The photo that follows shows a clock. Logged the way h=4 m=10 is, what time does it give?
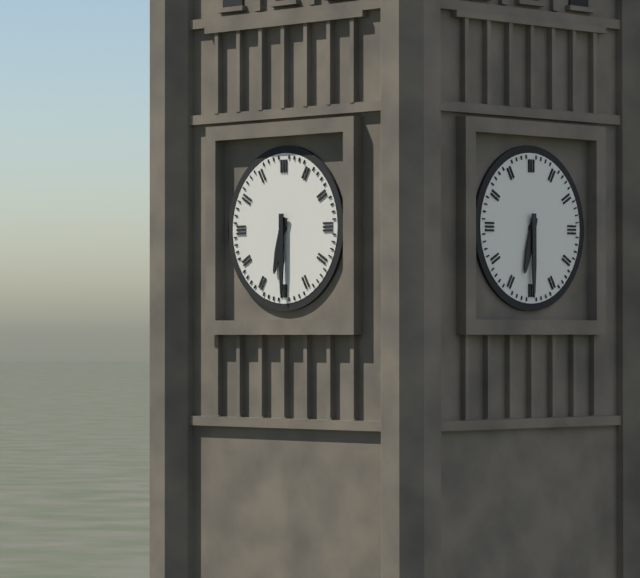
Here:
h=6 m=30
